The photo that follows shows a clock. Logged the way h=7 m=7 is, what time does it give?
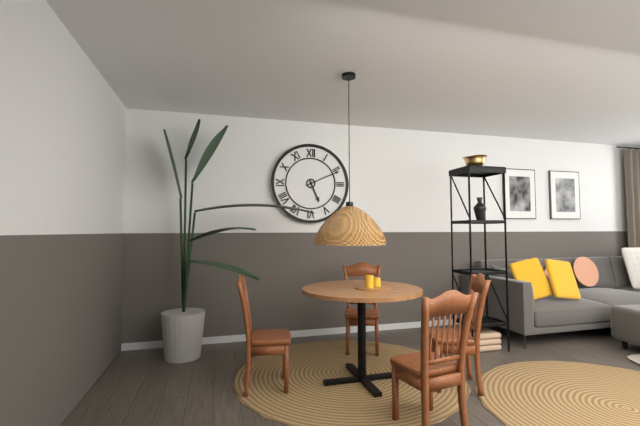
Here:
h=5 m=11
